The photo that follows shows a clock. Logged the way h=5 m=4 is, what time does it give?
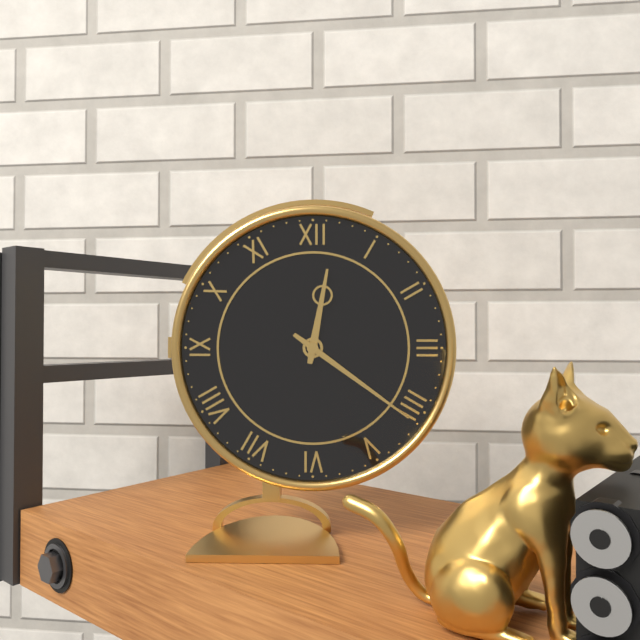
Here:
h=12 m=21
